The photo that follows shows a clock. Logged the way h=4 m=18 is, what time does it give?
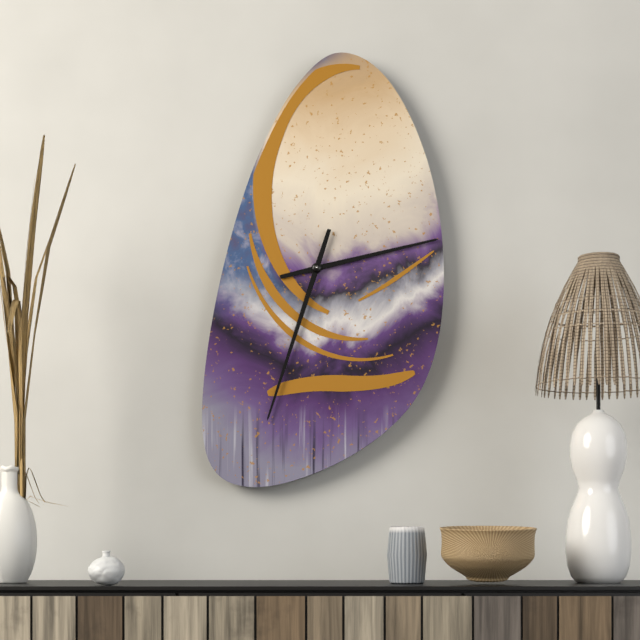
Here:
h=2 m=33
